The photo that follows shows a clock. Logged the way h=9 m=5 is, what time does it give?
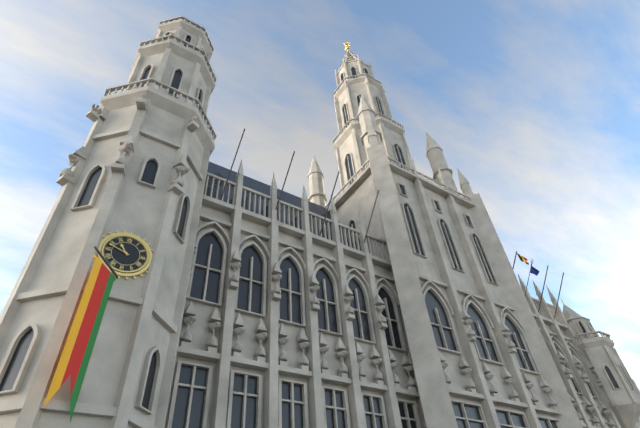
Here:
h=10 m=48
